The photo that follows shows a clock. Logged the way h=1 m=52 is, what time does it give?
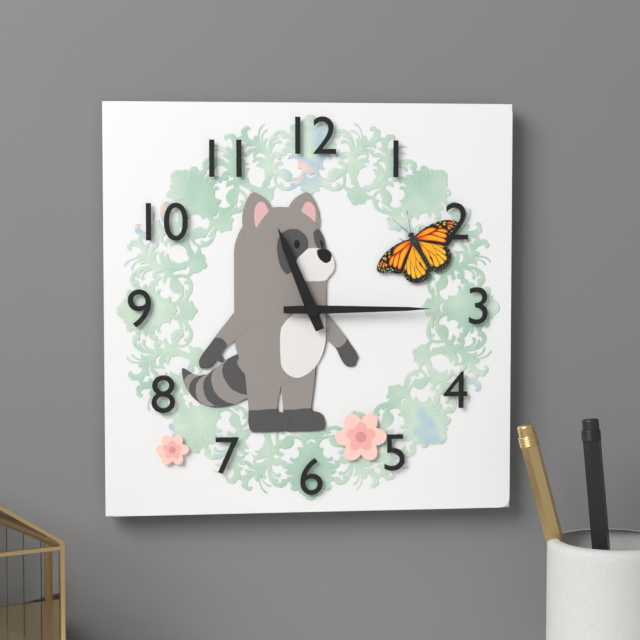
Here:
h=11 m=15
